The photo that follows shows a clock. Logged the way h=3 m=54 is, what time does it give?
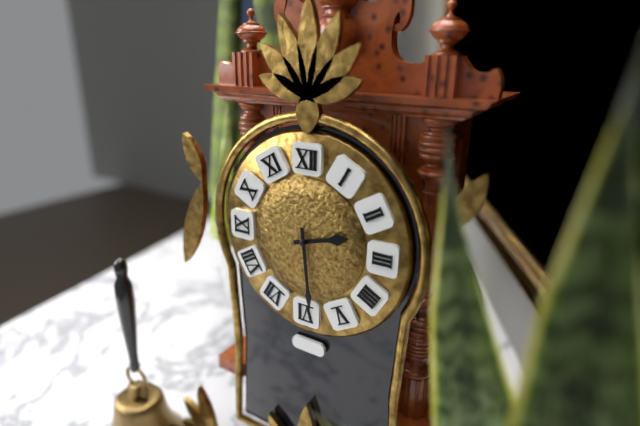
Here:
h=2 m=29
